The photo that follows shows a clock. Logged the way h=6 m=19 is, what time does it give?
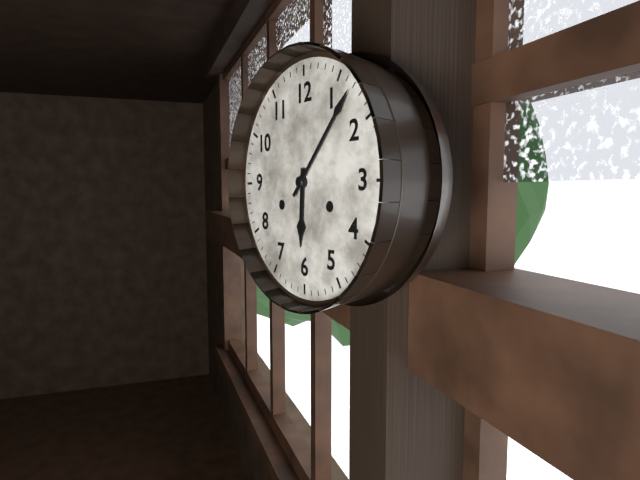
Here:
h=6 m=7
